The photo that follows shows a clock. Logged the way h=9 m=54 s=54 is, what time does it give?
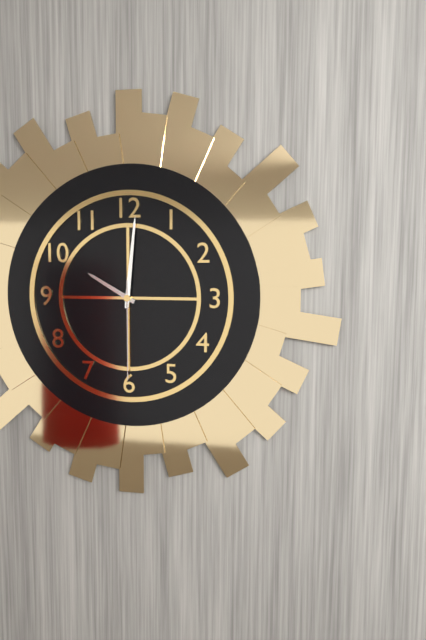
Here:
h=10 m=1 s=30
